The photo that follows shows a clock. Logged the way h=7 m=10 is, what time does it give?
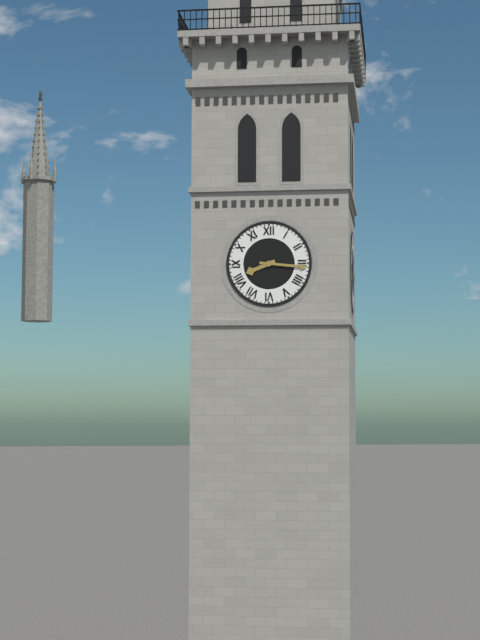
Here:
h=8 m=16
